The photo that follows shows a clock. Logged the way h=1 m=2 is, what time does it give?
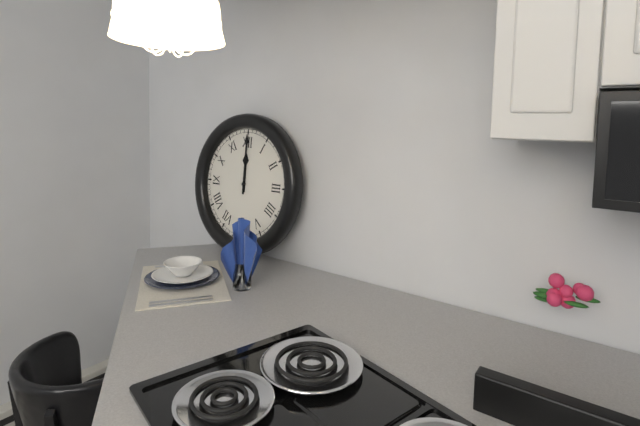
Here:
h=12 m=0
